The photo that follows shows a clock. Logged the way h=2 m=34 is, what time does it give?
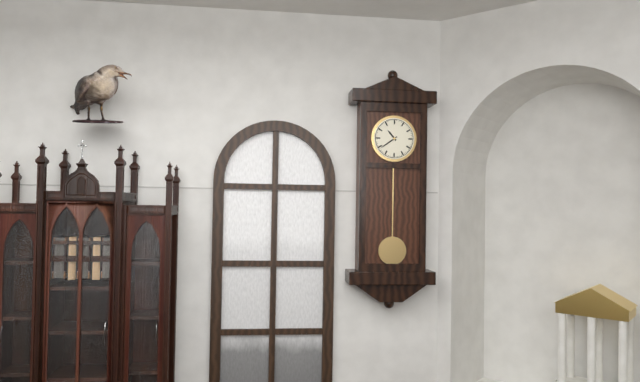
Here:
h=10 m=39
